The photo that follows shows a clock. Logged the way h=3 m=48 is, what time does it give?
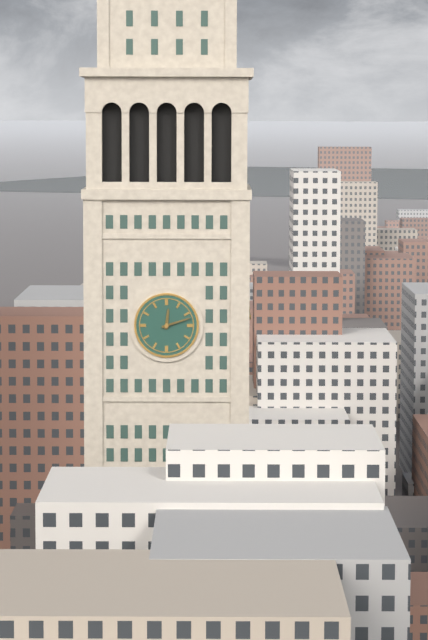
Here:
h=12 m=12
